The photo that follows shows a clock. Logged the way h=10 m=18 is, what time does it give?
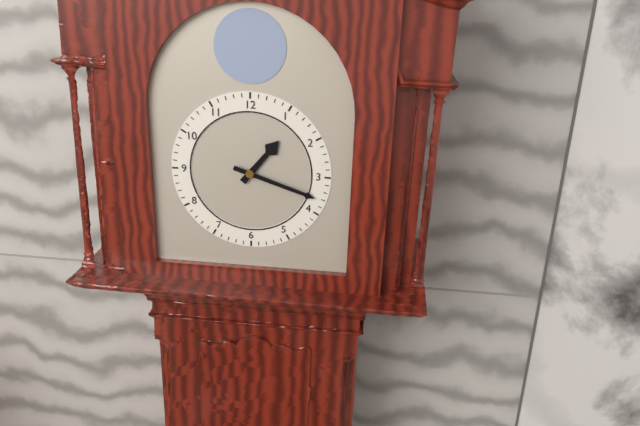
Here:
h=1 m=18
